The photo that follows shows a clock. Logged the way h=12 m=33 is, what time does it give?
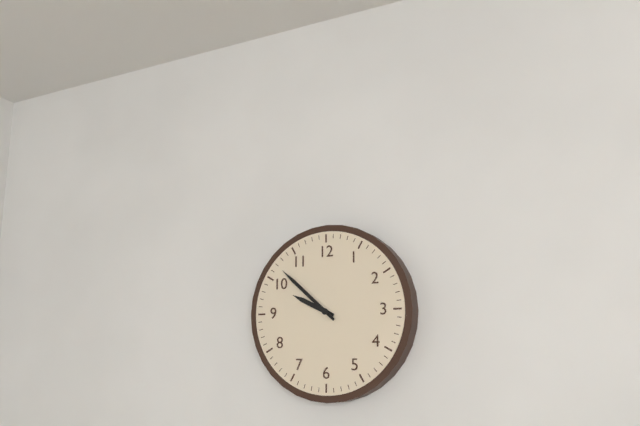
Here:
h=9 m=52
